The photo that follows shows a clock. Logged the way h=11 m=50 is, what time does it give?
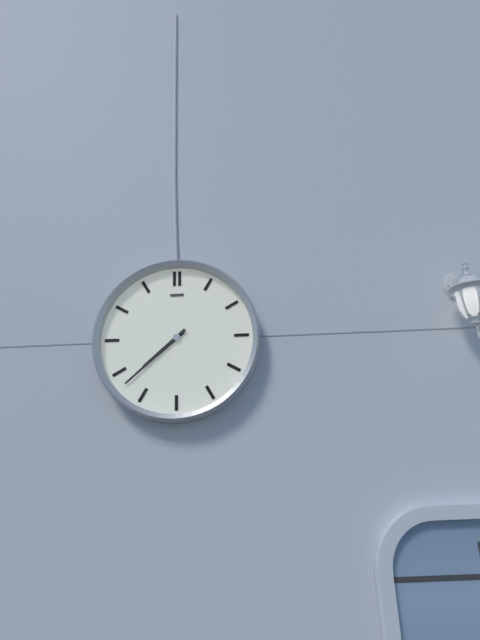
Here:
h=7 m=38
